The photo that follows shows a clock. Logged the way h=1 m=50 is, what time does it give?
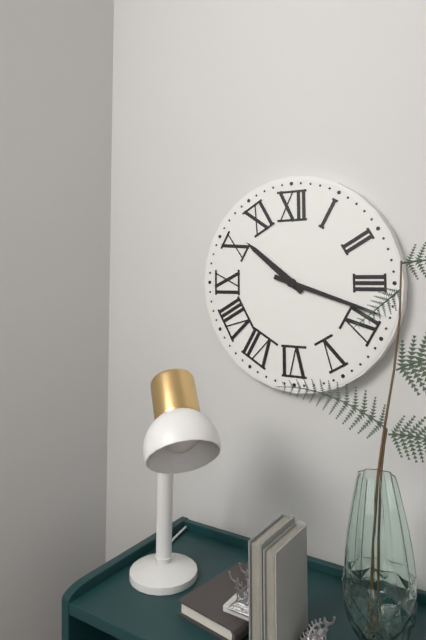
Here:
h=10 m=18
